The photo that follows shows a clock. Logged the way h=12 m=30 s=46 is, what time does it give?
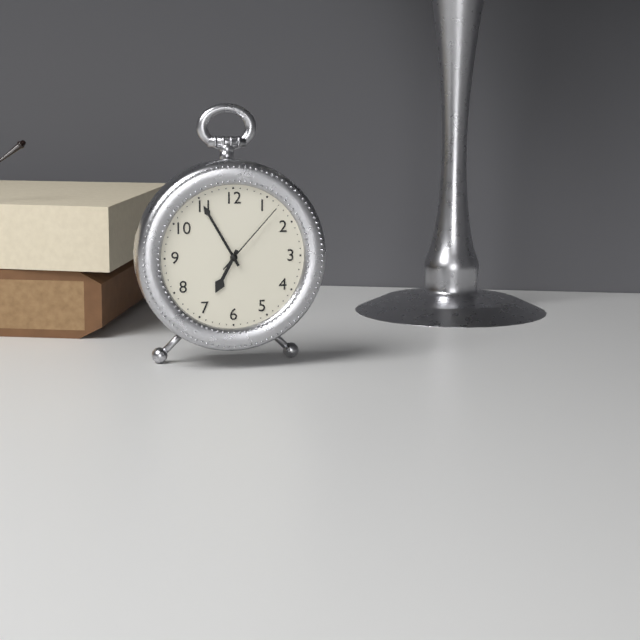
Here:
h=6 m=55 s=7
